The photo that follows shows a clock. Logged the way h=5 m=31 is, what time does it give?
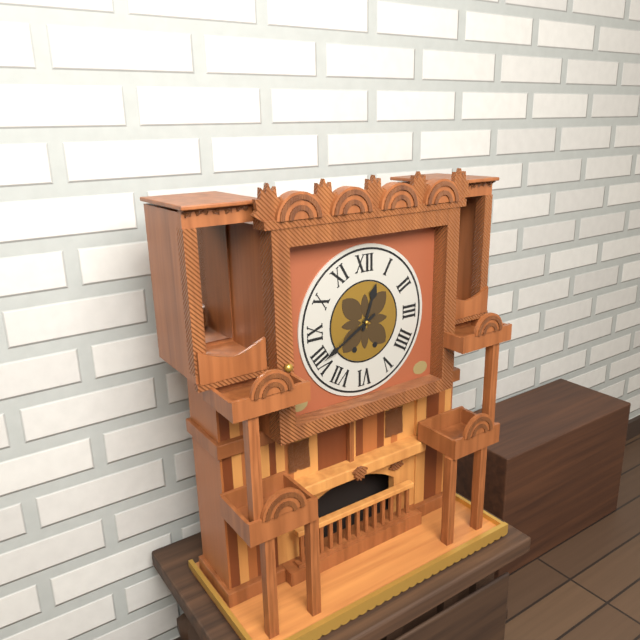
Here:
h=12 m=40
